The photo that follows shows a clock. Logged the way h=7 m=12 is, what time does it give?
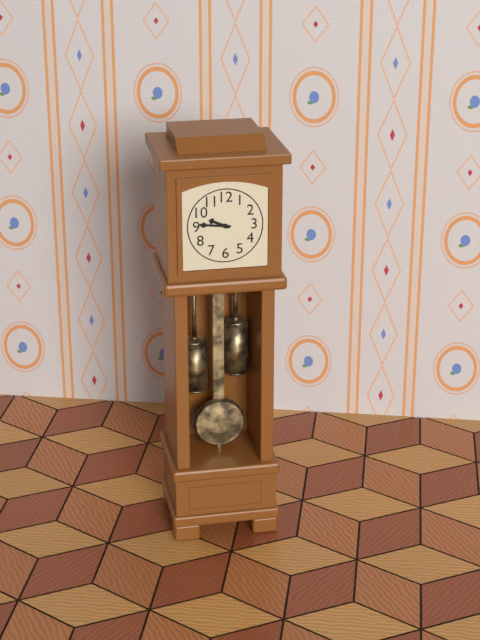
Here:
h=9 m=46
